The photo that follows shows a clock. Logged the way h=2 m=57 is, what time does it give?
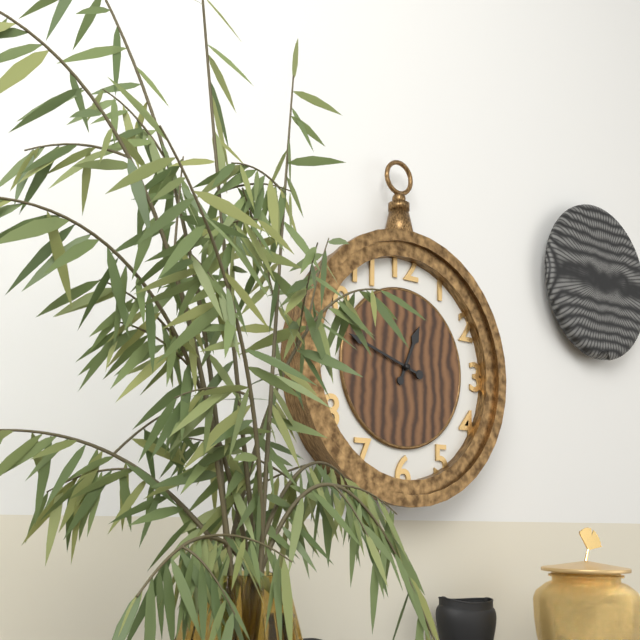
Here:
h=12 m=48
